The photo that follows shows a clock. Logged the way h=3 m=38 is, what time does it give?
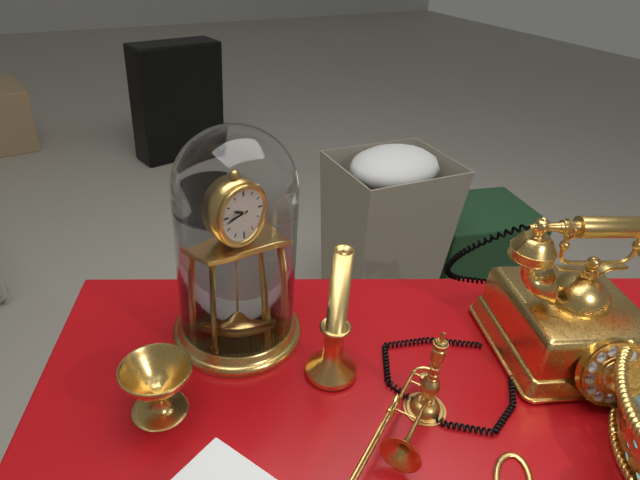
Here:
h=9 m=43
